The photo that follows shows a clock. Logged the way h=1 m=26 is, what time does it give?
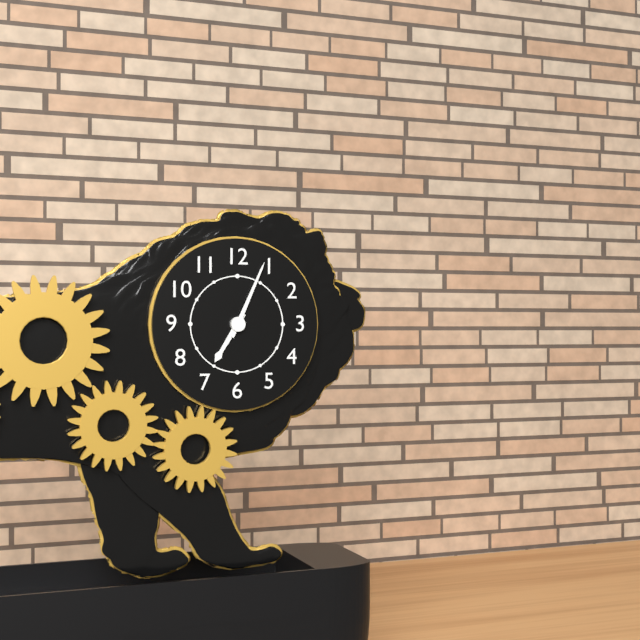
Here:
h=7 m=4
